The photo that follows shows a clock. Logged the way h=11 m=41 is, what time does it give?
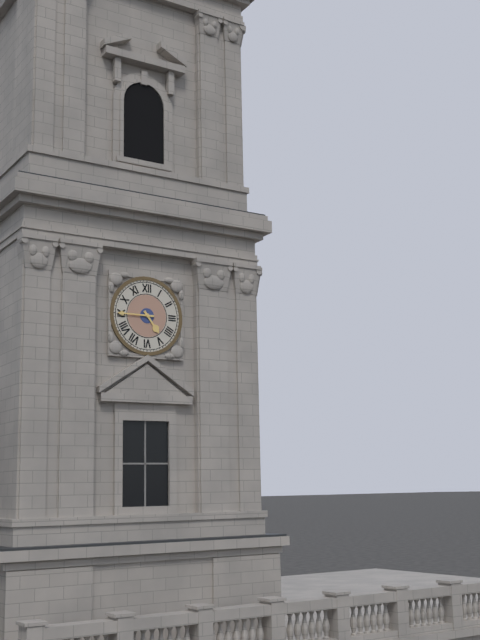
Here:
h=4 m=45
